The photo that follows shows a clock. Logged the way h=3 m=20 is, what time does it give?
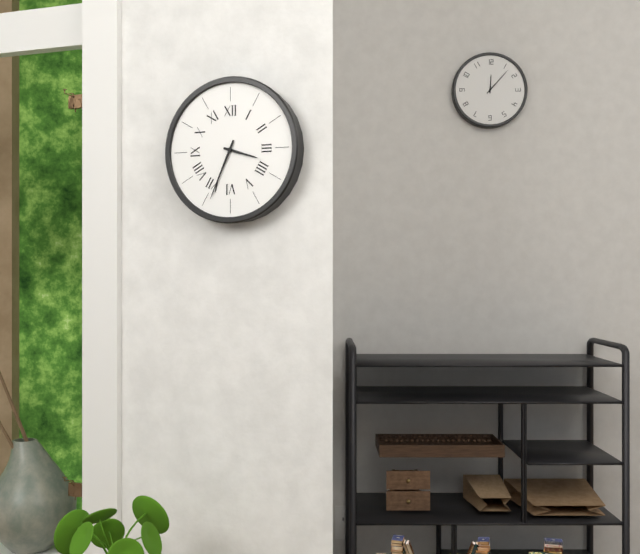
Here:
h=3 m=34
